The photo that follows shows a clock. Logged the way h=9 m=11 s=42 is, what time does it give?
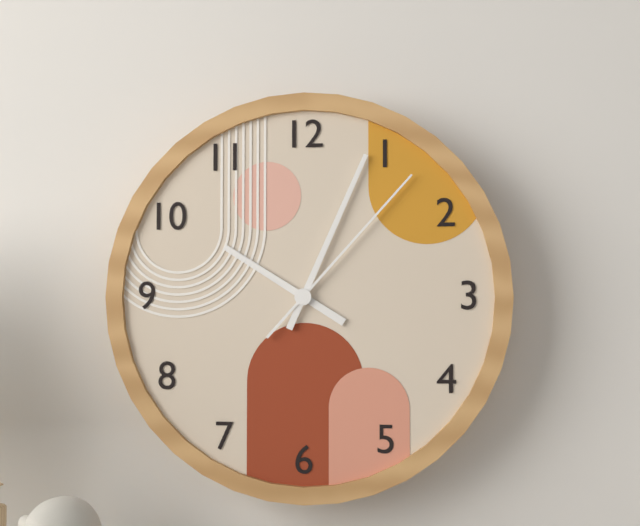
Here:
h=10 m=4 s=7
